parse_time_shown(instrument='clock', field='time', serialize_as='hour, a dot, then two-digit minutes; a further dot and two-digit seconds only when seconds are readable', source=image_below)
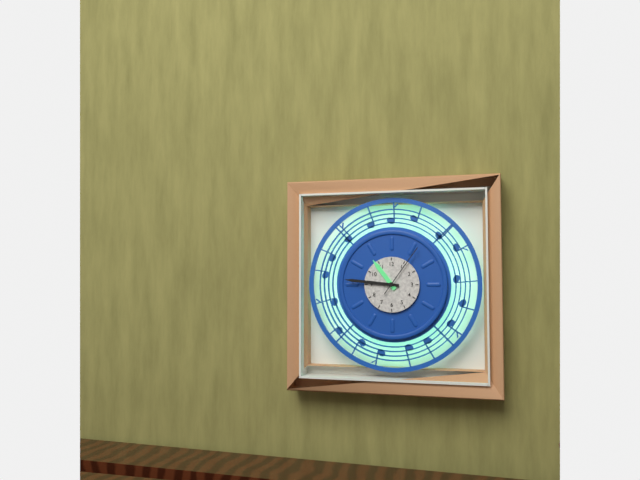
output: 10.46.06
